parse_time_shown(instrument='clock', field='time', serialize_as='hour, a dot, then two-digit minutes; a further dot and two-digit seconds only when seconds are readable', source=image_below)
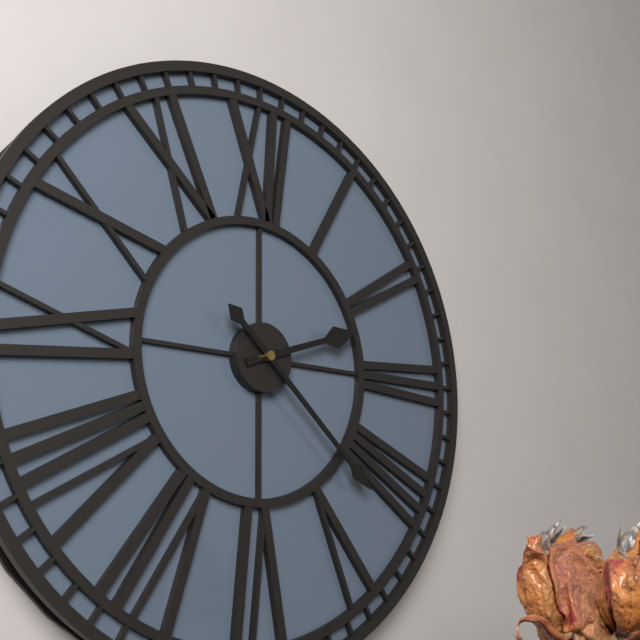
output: 2.22
